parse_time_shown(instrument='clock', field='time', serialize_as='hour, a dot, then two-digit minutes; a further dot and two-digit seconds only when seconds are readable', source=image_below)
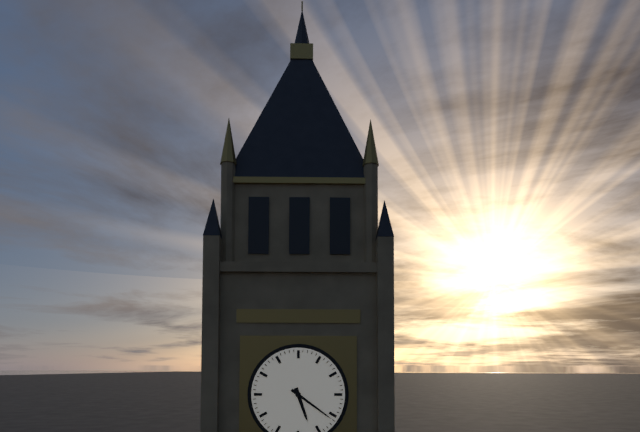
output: 5.21
